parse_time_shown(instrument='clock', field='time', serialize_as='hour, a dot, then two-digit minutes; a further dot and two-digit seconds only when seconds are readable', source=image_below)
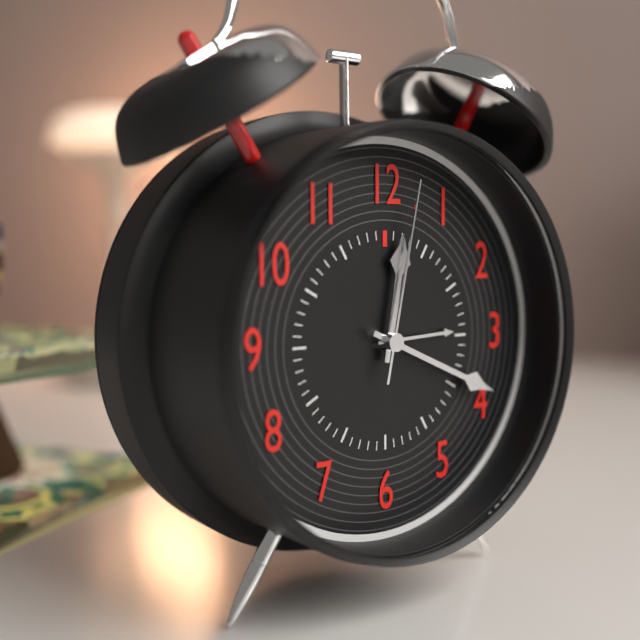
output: 12.19.02
